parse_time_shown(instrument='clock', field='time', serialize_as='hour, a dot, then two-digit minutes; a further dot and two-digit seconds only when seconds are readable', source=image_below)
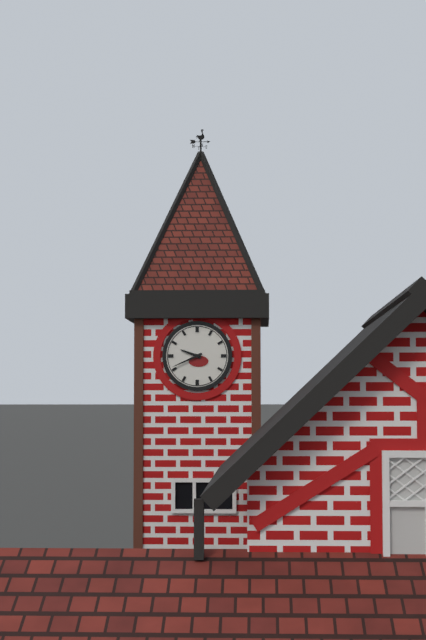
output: 9.41
